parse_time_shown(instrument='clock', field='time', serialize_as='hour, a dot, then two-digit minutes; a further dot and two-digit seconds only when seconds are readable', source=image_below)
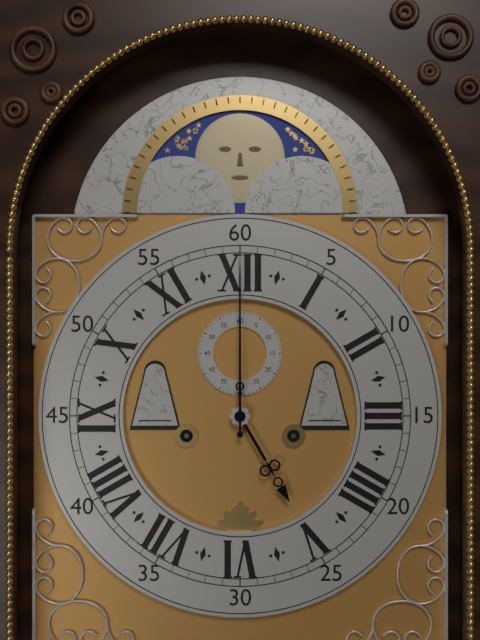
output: 5.00
